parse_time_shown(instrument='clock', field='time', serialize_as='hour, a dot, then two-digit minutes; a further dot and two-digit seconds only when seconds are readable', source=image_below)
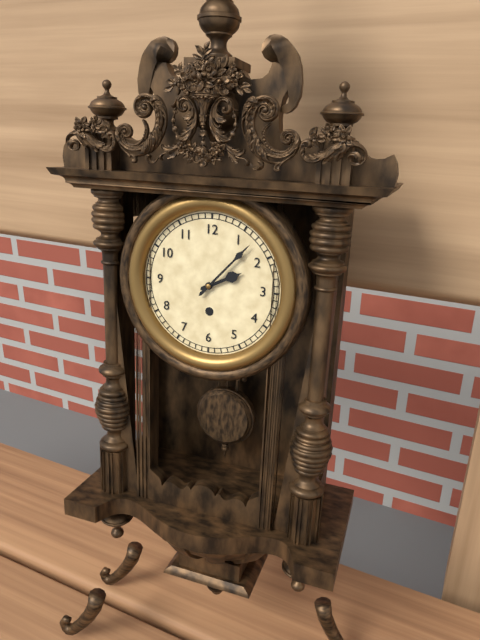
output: 2.07
